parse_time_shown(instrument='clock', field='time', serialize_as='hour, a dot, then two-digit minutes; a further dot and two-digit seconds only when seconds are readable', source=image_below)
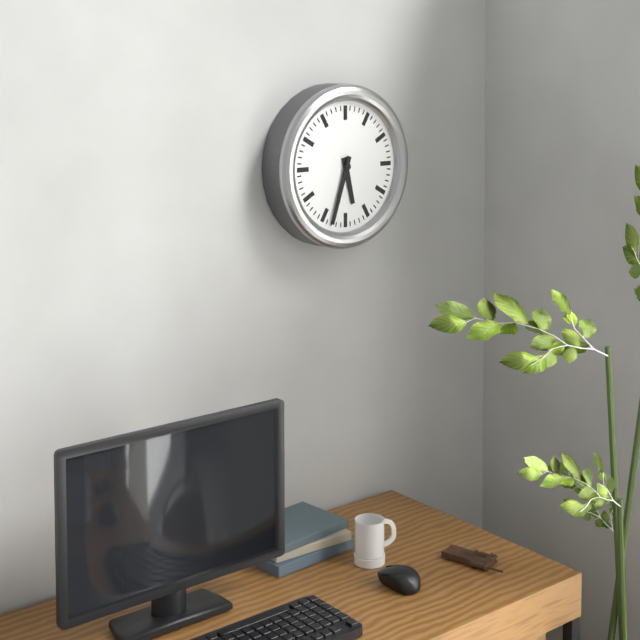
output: 5.33
